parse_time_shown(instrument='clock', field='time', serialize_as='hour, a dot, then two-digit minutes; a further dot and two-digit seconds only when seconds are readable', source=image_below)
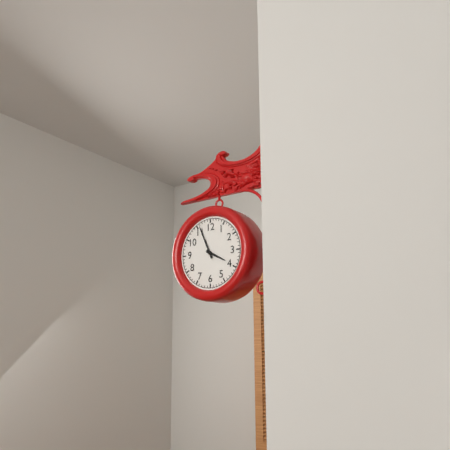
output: 3.56
